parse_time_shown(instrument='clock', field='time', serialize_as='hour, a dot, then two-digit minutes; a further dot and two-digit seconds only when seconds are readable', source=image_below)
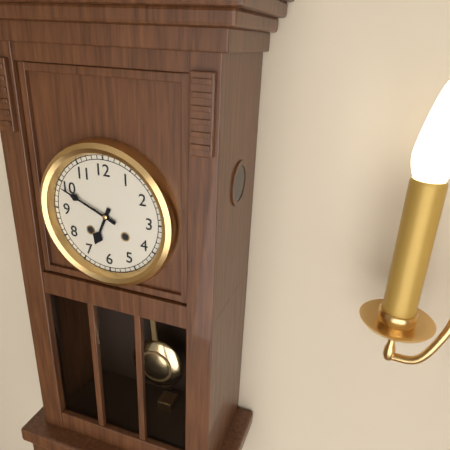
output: 6.49
